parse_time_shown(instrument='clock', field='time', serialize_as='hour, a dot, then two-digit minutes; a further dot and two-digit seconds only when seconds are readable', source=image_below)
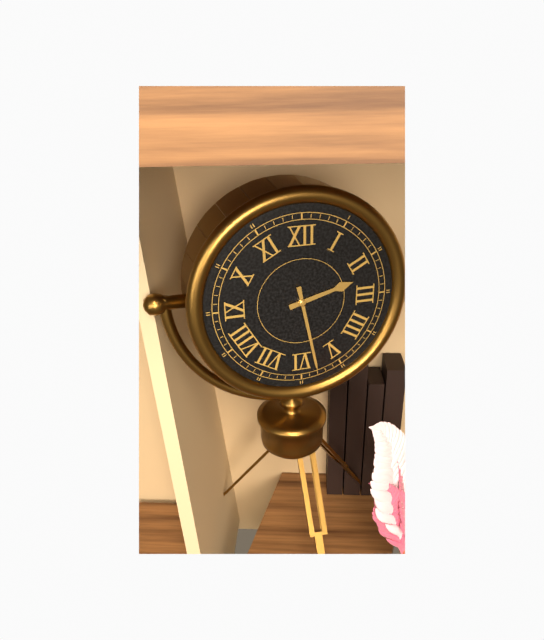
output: 2.28
